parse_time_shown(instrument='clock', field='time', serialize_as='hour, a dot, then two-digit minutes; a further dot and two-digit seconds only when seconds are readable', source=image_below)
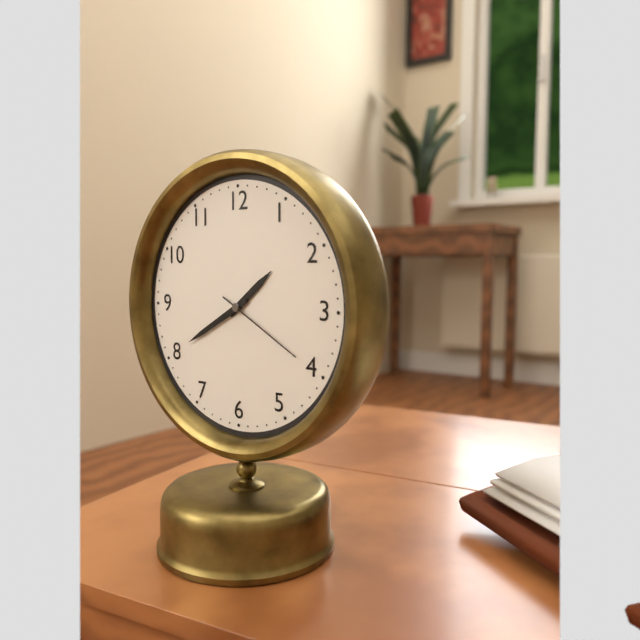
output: 1.40.20
